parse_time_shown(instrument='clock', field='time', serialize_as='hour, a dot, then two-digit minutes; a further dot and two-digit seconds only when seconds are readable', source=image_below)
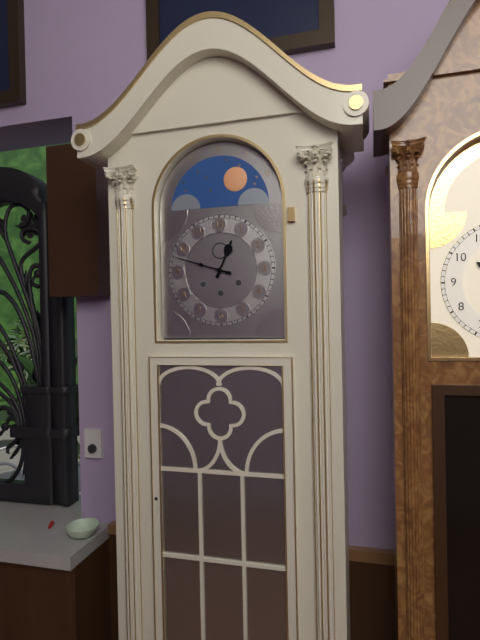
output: 12.48
